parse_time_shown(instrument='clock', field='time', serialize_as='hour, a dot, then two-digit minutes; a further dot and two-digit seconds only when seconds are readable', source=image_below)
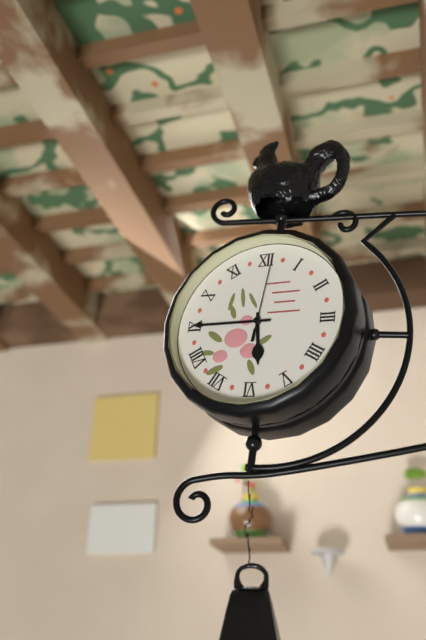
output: 5.45.01
